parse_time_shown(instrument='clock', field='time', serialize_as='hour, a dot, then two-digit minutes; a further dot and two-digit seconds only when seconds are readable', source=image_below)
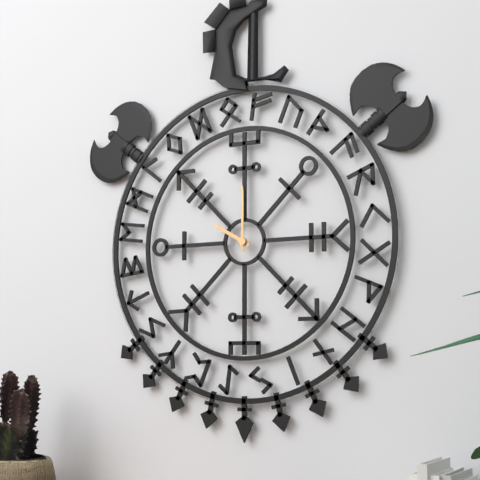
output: 10.00
